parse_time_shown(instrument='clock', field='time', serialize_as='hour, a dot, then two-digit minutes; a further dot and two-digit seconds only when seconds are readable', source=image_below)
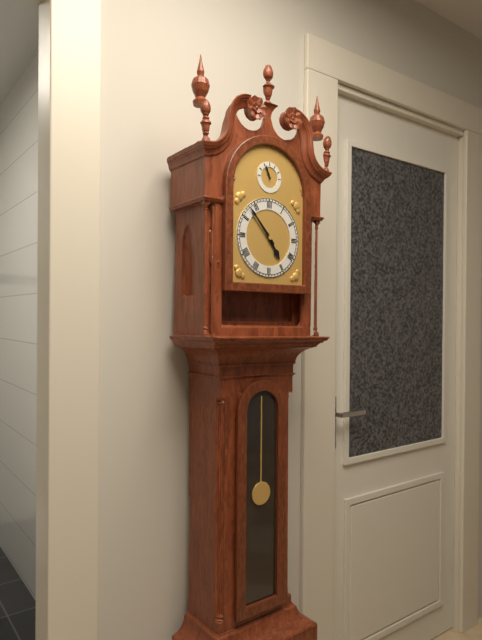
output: 4.53
